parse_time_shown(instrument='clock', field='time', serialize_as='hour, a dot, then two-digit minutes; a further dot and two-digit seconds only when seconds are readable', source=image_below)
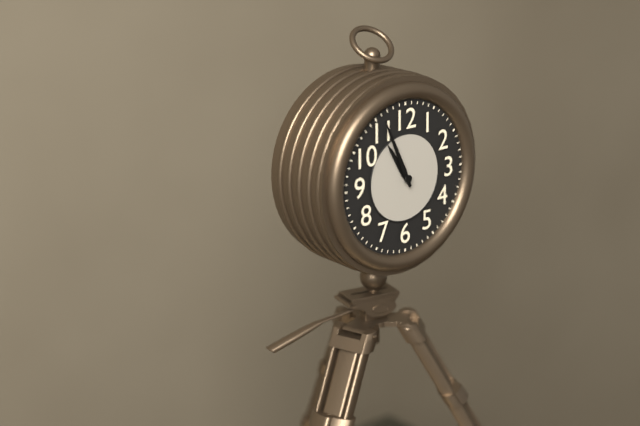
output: 10.56
